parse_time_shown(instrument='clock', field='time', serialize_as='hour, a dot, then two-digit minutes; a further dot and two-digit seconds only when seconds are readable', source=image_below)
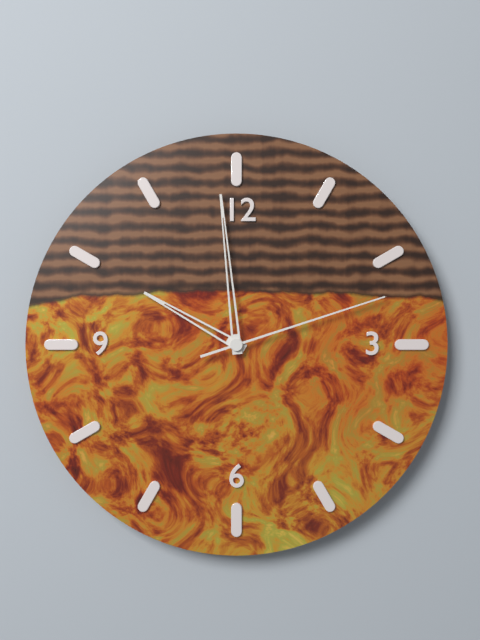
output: 9.59.12
